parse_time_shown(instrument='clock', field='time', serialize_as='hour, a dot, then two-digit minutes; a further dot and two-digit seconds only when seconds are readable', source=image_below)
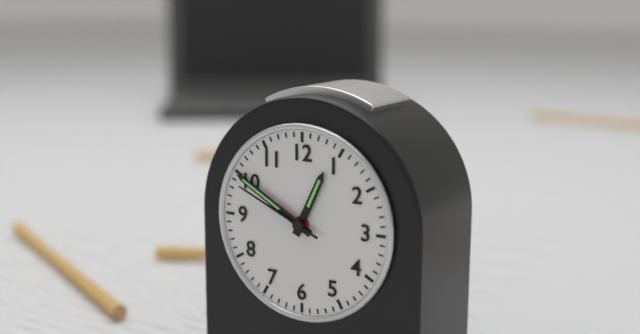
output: 12.50.49
